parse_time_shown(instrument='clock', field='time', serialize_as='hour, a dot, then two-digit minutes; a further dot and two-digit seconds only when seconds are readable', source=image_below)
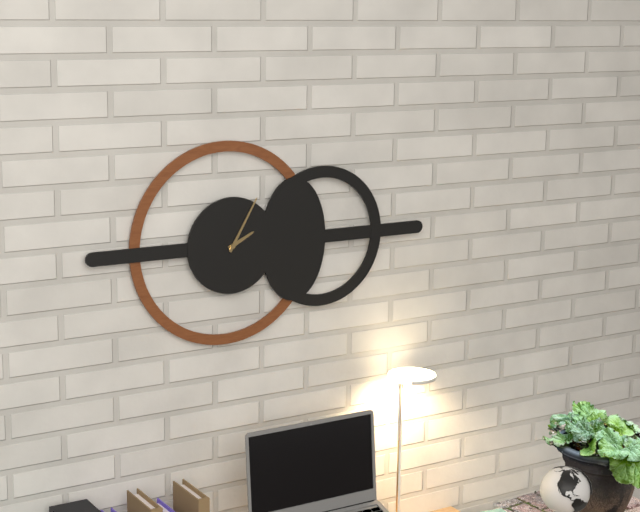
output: 2.05
